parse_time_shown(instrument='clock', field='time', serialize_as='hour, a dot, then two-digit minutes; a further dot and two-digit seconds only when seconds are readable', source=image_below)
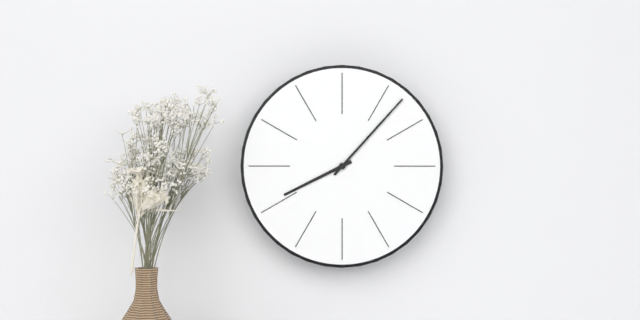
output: 8.07
